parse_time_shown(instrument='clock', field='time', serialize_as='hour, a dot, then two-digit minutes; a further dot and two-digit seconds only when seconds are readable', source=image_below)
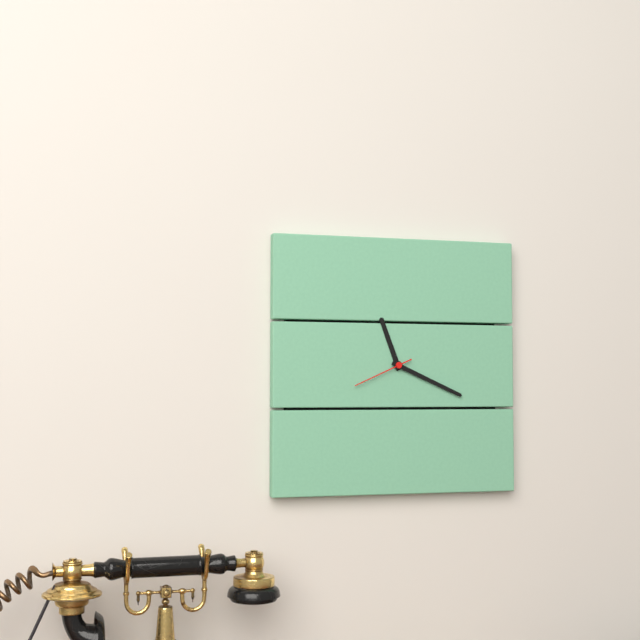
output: 11.19.41
